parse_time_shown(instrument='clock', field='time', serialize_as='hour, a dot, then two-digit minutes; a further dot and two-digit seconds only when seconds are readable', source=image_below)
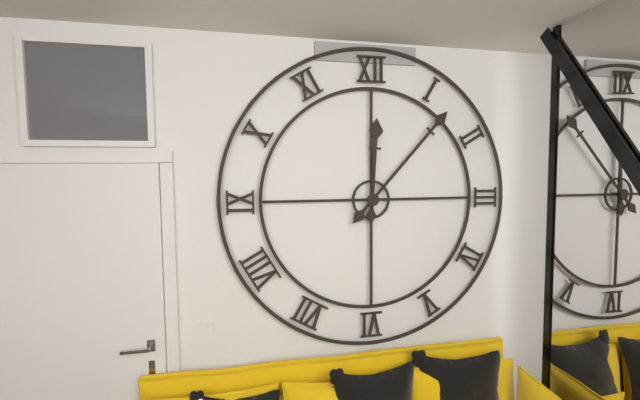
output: 12.07
